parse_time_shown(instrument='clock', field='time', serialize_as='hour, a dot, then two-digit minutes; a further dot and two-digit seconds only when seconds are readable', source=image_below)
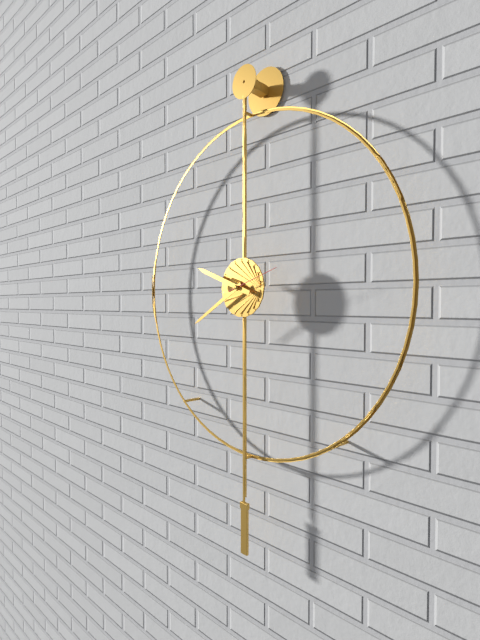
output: 9.40.12
